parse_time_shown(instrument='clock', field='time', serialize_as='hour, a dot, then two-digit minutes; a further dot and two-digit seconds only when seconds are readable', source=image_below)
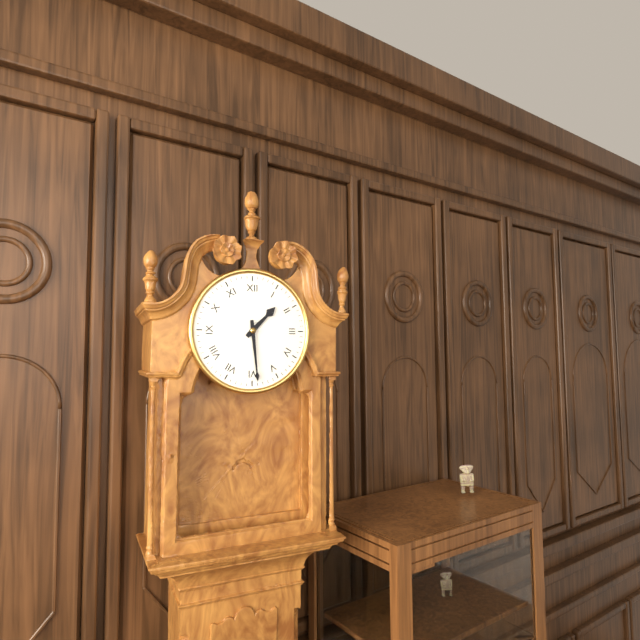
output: 1.29
